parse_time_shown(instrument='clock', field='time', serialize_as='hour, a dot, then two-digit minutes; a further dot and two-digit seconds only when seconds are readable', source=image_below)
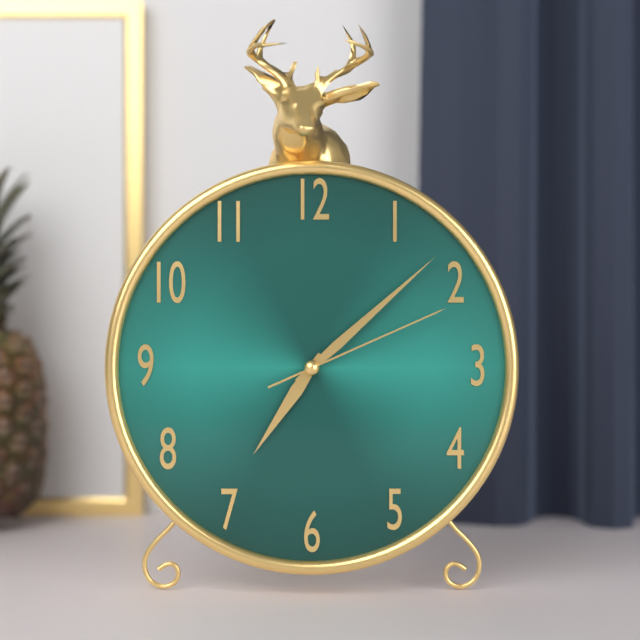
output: 7.08.11
